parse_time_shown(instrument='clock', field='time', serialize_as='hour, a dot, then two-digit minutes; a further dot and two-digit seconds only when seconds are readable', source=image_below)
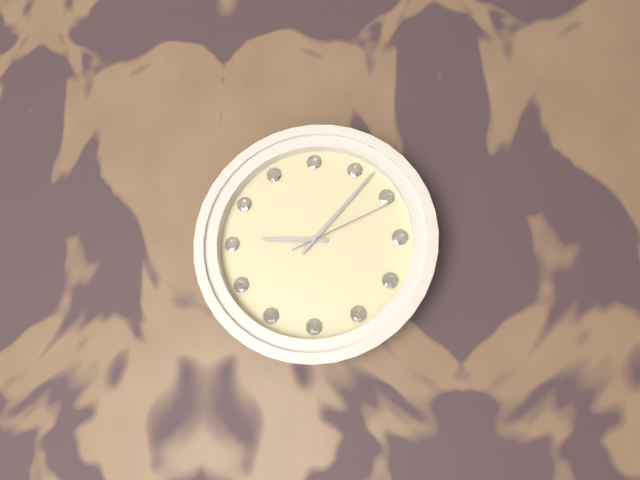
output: 9.07.11
